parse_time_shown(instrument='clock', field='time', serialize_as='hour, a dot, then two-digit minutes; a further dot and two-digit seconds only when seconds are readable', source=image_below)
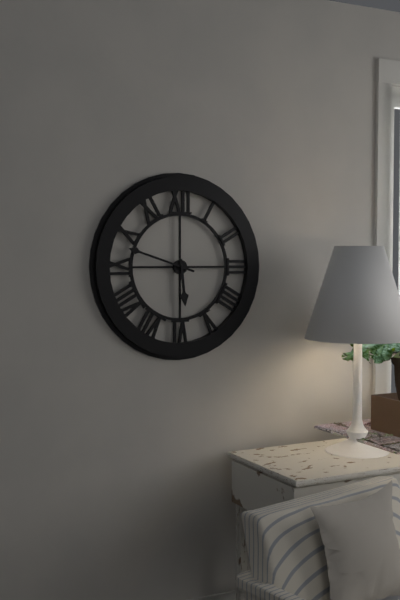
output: 5.48
